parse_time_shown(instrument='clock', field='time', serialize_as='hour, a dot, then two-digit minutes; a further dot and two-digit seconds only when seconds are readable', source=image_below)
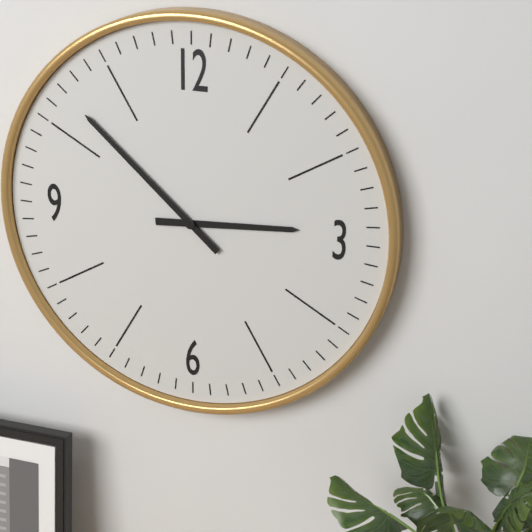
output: 2.52
